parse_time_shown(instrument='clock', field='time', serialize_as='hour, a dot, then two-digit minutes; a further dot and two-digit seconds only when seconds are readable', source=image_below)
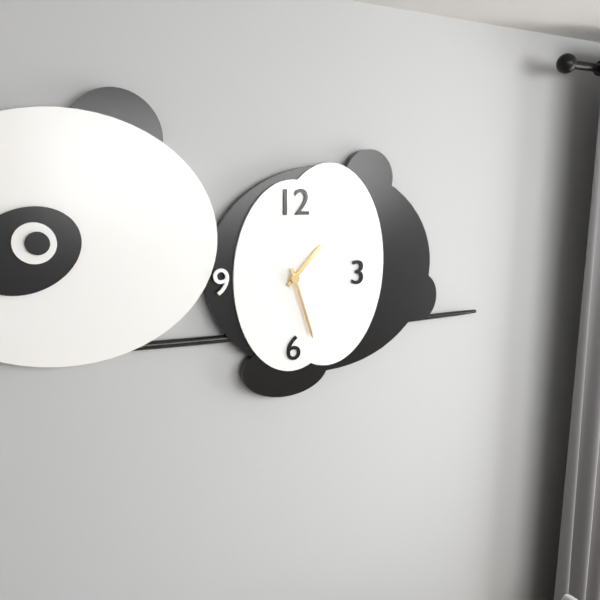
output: 1.27
